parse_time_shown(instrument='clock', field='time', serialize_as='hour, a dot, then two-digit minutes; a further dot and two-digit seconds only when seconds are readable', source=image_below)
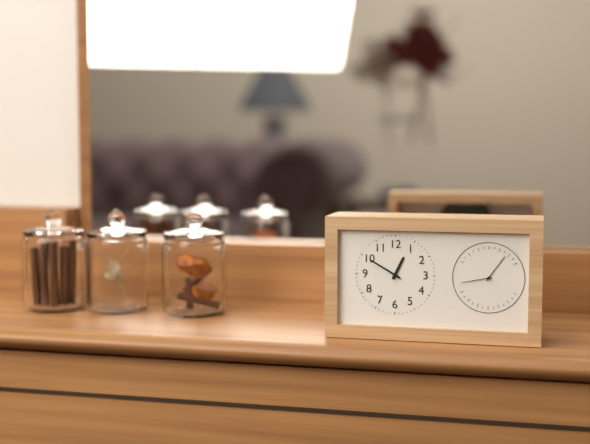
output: 12.50
